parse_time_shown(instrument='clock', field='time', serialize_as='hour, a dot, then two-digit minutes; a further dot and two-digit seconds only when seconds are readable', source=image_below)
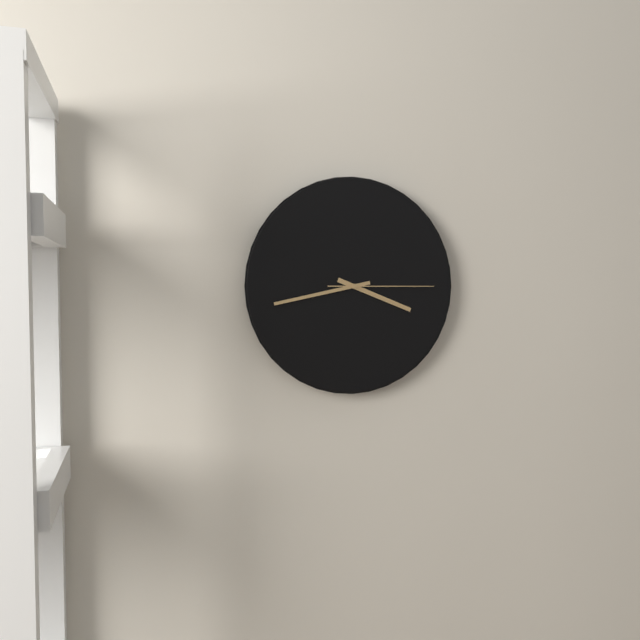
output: 3.43.15
